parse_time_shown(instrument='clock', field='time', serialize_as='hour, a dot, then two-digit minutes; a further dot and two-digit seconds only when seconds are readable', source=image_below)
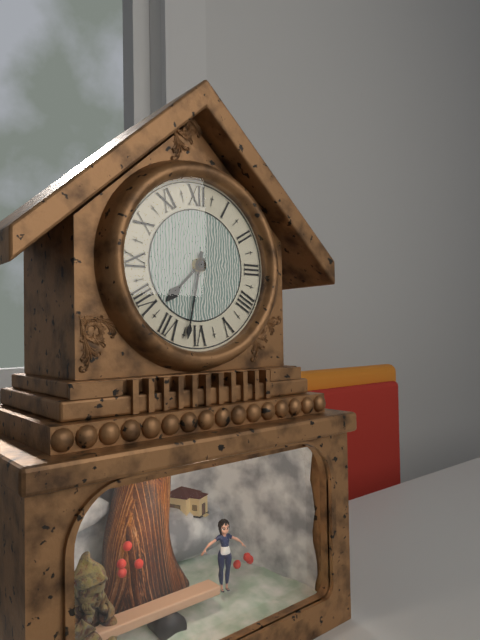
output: 7.32
